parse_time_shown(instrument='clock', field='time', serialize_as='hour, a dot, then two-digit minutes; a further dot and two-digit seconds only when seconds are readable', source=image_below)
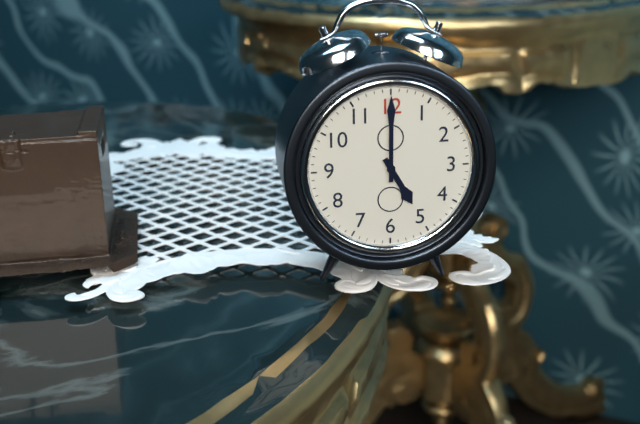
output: 5.00
